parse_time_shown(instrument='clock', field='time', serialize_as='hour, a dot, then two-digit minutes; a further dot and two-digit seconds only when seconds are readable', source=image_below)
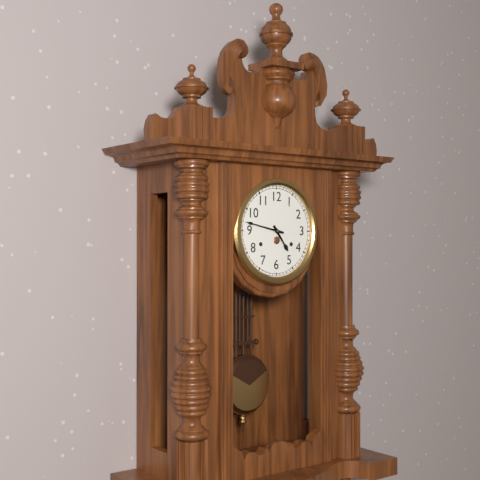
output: 4.47
